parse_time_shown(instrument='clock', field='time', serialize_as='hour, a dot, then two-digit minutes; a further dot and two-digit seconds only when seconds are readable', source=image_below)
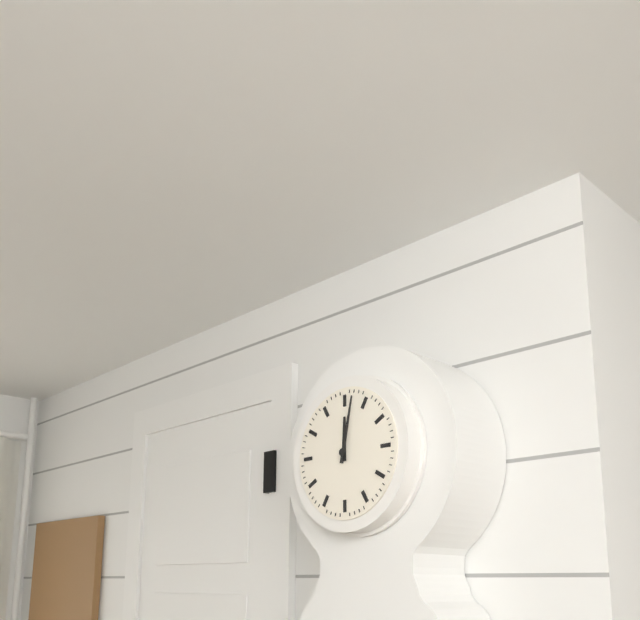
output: 12.02
